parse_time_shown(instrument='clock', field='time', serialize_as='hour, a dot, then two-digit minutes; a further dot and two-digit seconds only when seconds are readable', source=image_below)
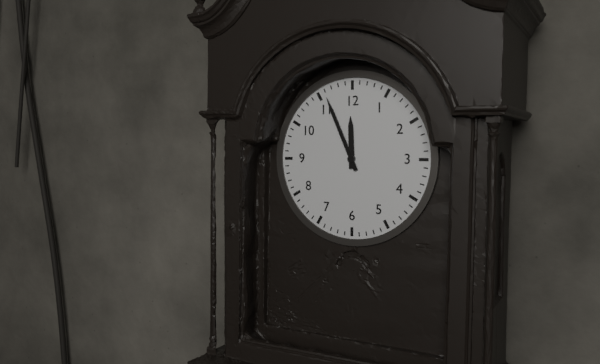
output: 11.56
